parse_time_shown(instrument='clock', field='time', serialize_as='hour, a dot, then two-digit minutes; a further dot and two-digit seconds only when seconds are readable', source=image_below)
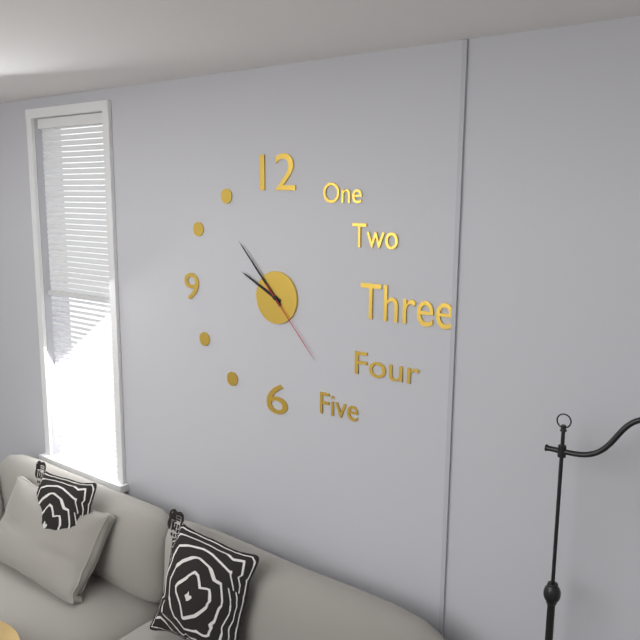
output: 9.53.23
